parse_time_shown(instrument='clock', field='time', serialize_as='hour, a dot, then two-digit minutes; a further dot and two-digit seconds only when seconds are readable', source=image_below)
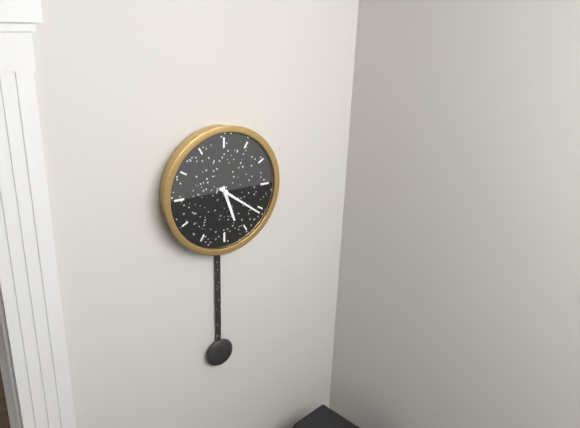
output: 5.21
